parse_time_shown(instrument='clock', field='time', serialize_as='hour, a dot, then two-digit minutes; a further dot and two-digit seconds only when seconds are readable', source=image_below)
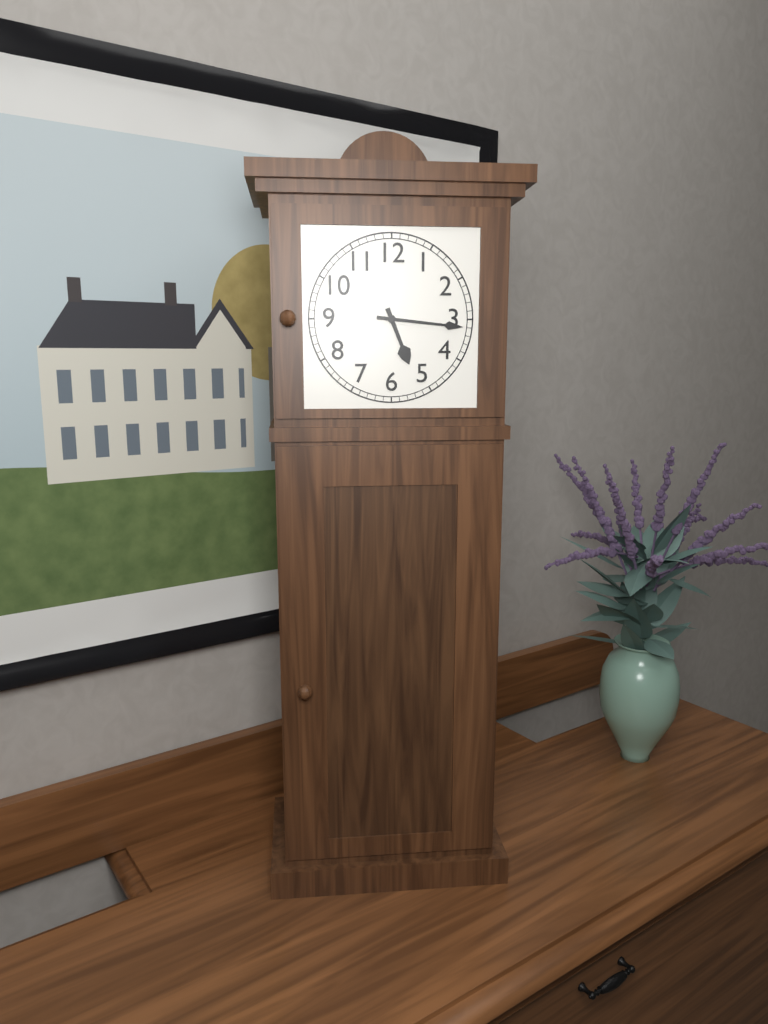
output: 5.16
